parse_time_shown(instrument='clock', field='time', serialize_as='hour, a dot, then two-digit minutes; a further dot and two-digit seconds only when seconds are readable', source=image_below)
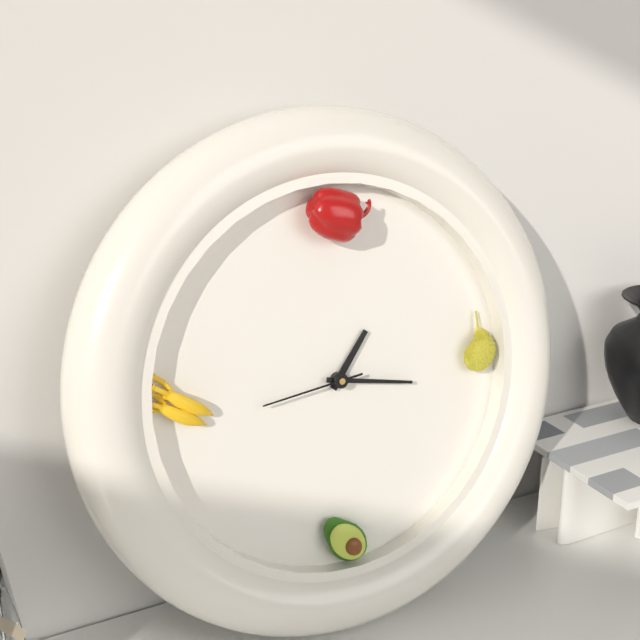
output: 1.17.44
